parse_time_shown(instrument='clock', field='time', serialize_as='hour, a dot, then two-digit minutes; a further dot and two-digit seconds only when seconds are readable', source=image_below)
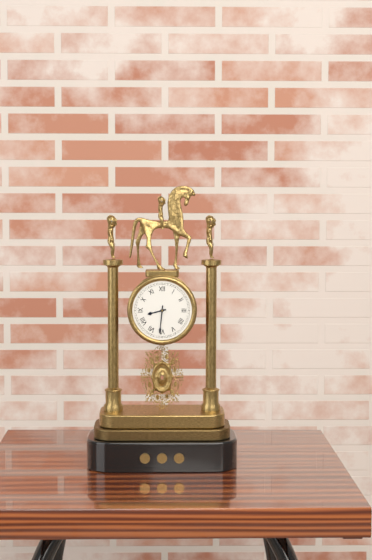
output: 8.31
